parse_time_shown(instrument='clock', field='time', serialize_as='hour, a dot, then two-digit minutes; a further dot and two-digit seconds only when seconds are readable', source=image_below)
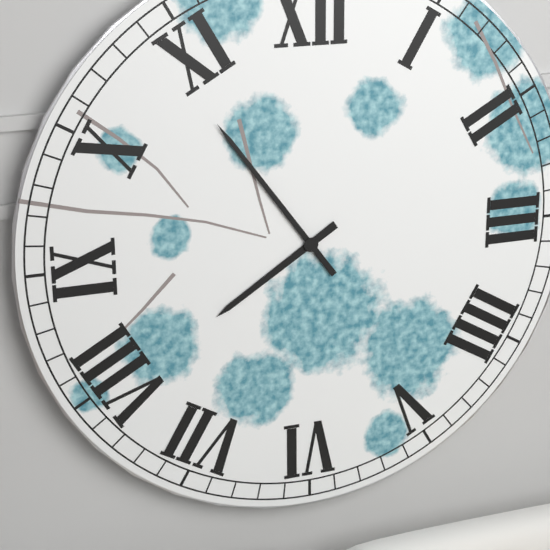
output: 7.54
